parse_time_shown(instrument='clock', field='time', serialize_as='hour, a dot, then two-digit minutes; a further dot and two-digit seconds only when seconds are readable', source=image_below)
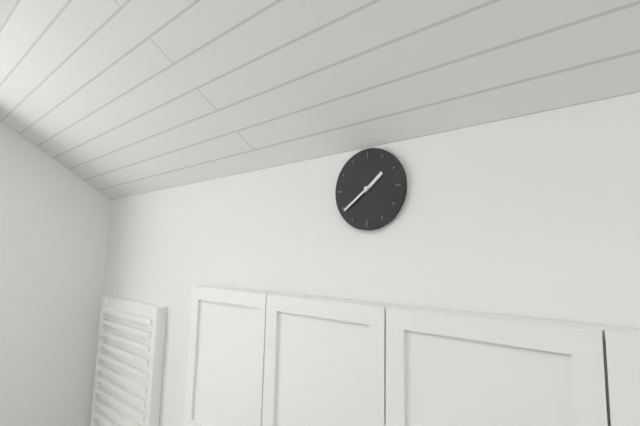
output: 1.39
